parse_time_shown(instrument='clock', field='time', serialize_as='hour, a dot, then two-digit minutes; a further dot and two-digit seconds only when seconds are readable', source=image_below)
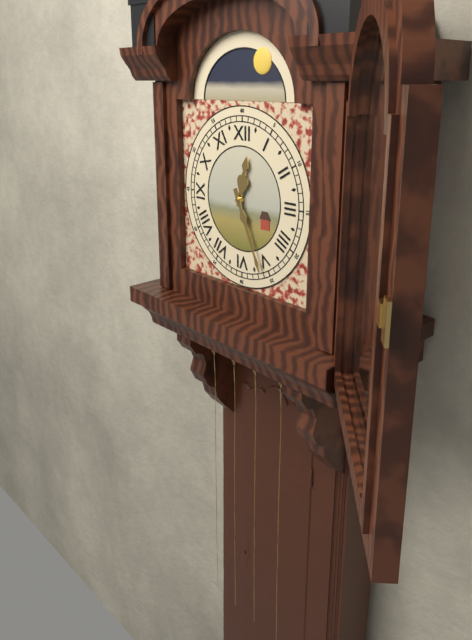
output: 12.26
